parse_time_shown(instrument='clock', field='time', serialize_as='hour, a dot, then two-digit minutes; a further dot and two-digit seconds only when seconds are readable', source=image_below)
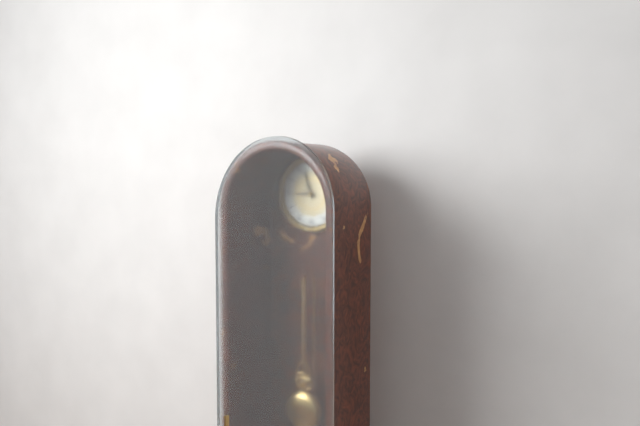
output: 8.57
